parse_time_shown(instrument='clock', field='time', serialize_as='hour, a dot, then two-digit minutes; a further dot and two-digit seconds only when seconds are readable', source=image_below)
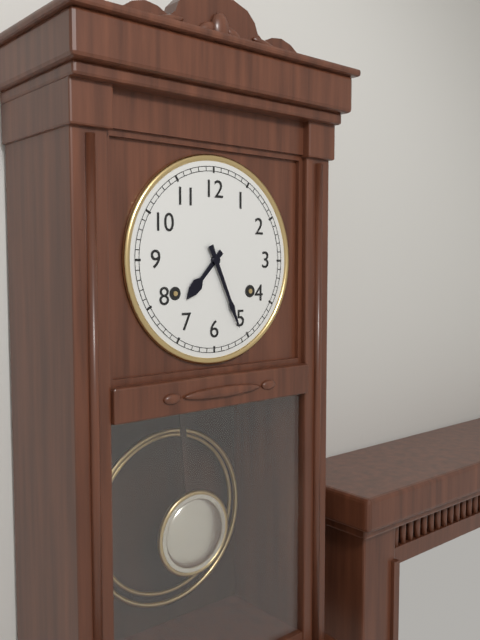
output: 7.26
